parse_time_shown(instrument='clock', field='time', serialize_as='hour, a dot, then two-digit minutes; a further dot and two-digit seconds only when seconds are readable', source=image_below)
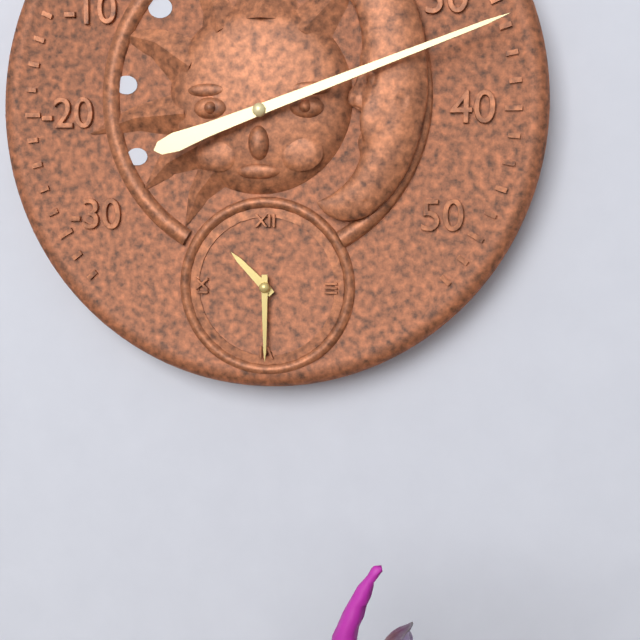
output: 10.30
